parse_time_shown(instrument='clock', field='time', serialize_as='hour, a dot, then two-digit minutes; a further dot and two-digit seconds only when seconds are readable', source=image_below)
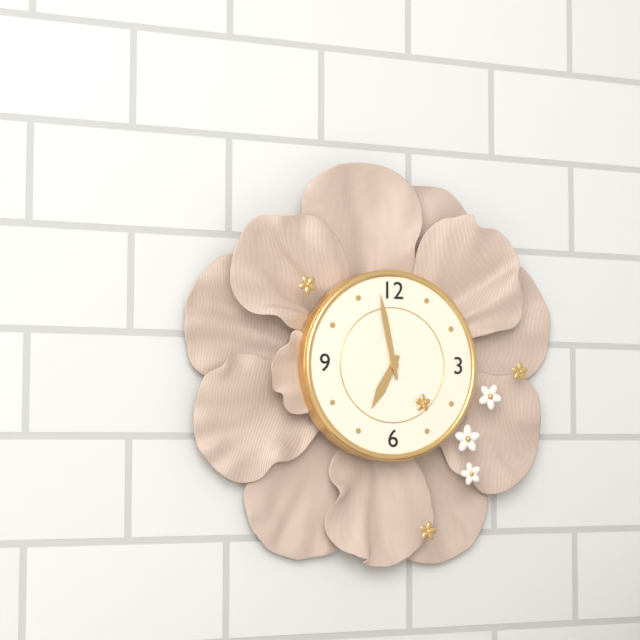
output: 6.58
